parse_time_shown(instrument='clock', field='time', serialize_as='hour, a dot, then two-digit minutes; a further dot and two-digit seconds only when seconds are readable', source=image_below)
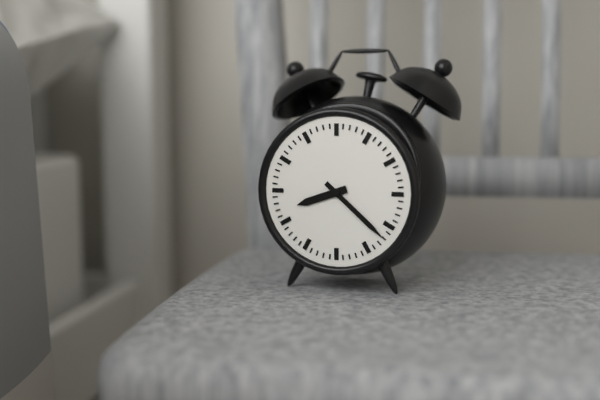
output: 8.22
